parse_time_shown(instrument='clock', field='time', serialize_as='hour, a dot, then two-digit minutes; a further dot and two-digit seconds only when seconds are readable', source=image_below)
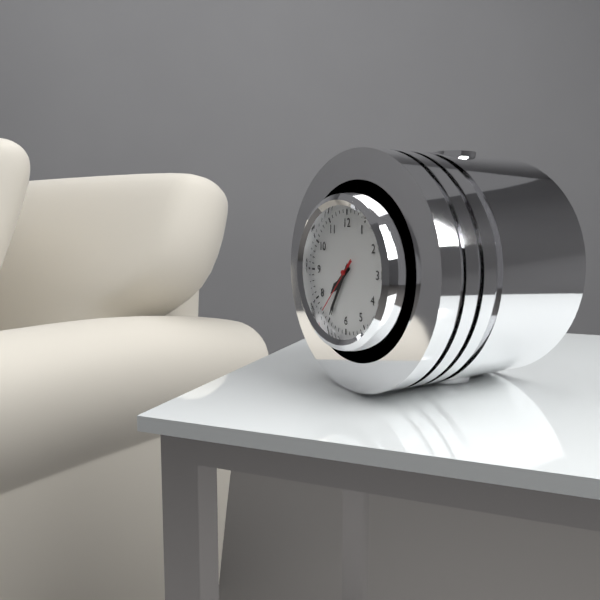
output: 7.35.37
